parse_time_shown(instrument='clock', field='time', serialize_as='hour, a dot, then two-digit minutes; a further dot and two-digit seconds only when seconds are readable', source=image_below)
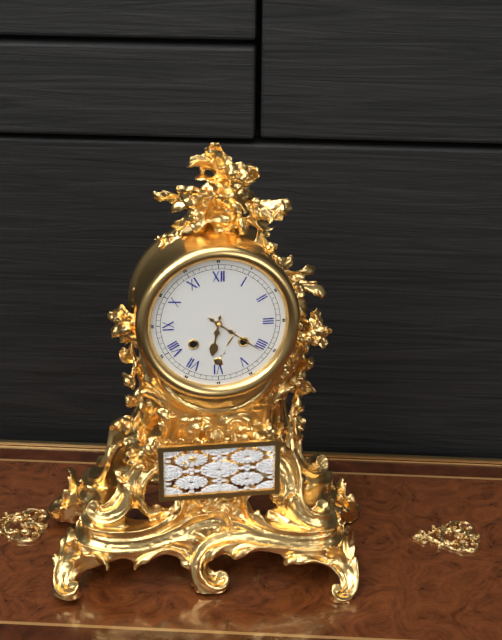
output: 6.21
